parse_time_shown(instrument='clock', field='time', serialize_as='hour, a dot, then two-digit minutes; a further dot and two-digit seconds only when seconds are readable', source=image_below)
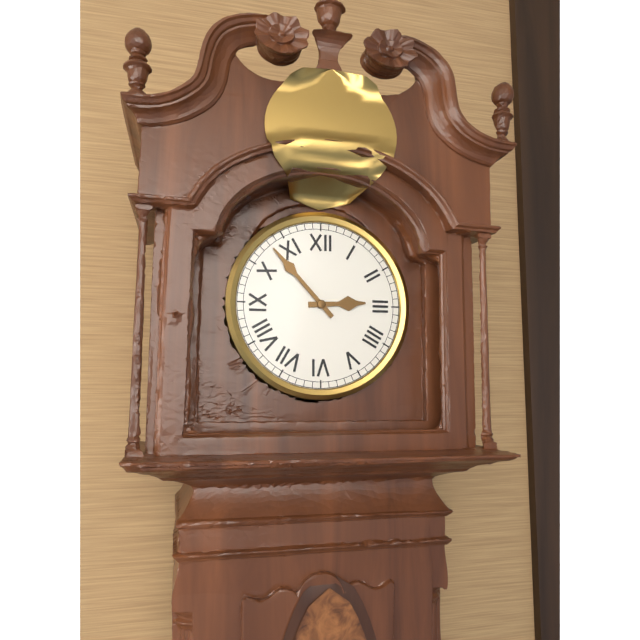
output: 2.53
